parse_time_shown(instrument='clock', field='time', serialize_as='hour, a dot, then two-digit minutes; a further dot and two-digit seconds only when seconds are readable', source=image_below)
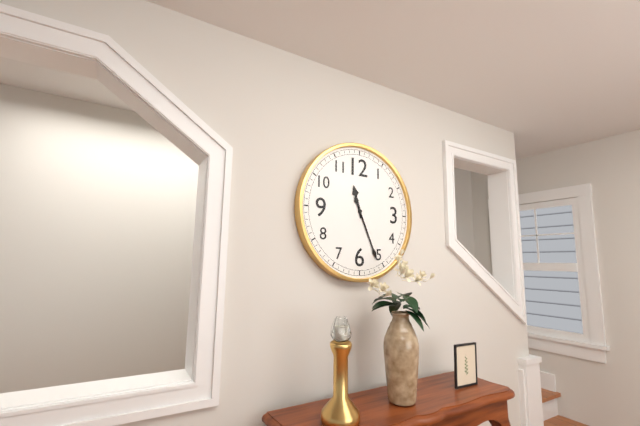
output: 11.26
